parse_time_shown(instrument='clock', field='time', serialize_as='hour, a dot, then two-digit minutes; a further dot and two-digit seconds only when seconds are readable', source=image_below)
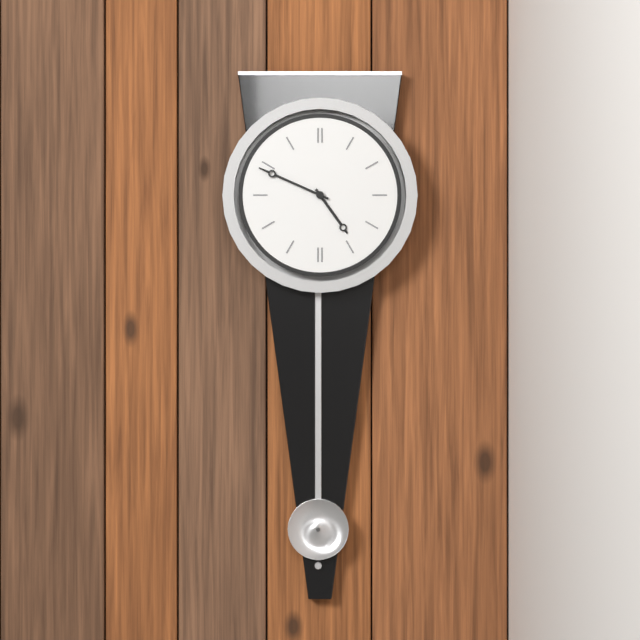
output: 4.49
